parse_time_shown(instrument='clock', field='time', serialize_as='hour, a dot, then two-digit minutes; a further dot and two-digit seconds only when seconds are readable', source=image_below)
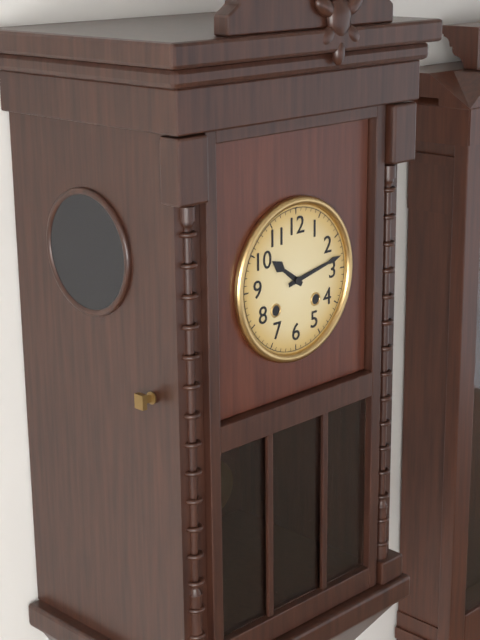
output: 10.13
